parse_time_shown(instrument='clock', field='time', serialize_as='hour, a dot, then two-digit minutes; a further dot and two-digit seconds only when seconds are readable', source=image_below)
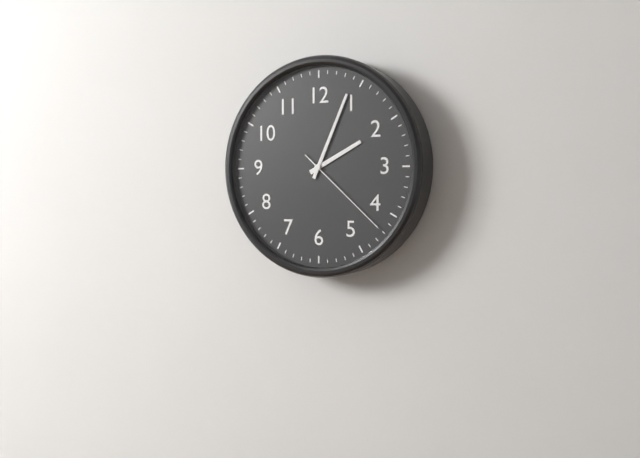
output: 2.04.22
